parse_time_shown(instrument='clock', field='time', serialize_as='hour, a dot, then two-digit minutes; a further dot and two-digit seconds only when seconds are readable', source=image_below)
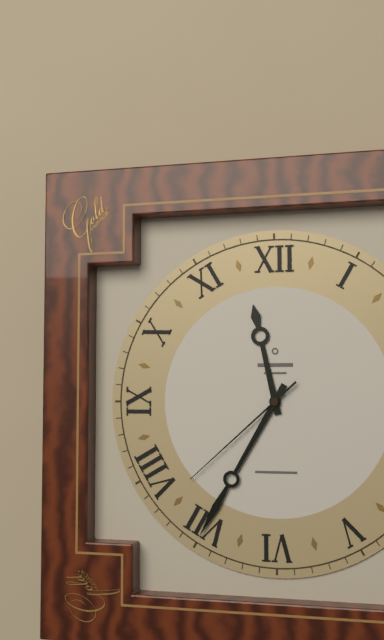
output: 11.35.38
